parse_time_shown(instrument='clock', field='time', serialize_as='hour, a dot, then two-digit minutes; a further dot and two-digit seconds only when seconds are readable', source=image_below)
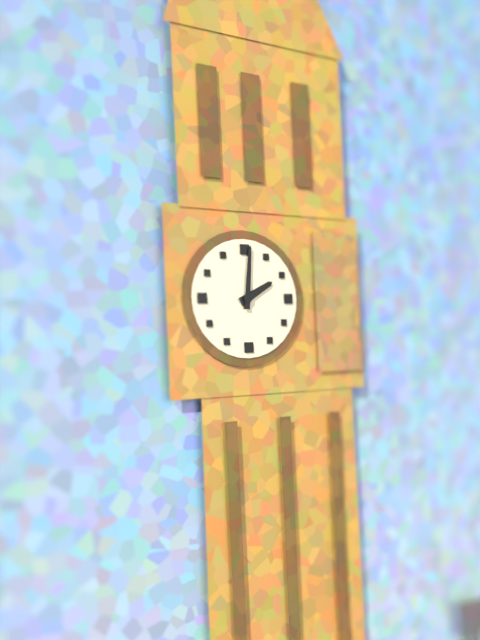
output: 2.01
